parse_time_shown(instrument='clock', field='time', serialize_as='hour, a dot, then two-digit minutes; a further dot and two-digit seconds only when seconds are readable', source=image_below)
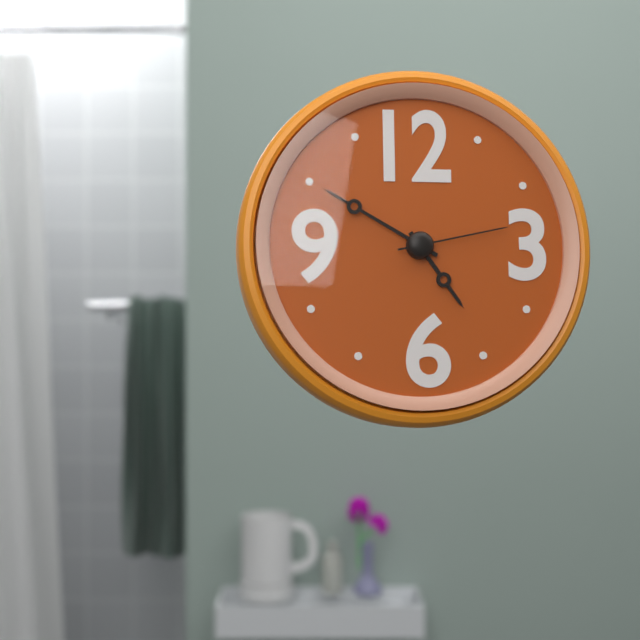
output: 4.50.13
